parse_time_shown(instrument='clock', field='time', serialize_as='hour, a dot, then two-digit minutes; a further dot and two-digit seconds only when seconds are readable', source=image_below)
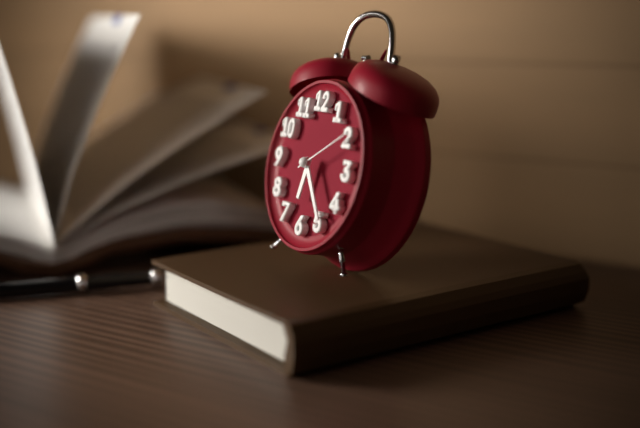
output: 6.24.10
